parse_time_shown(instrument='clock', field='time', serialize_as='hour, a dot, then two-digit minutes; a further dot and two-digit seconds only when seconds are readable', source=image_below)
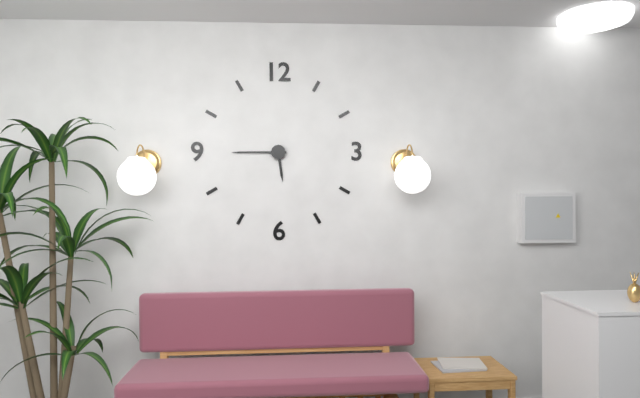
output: 5.45
